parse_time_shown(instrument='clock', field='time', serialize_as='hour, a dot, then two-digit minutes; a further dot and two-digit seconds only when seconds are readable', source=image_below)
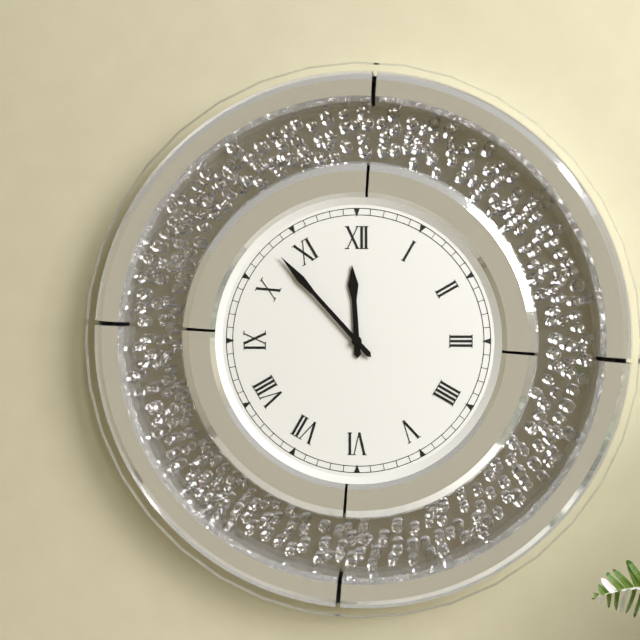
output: 11.53
